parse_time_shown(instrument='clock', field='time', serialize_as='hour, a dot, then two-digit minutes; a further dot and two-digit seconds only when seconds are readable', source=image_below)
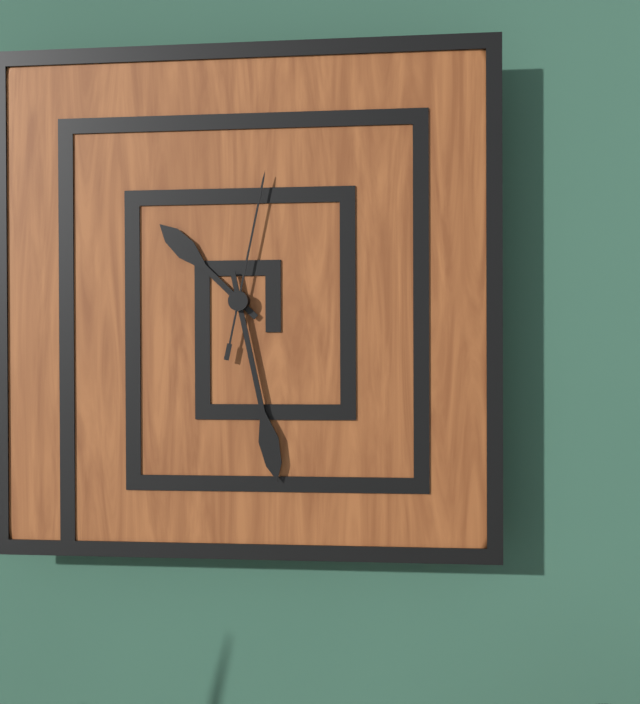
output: 10.28.02
